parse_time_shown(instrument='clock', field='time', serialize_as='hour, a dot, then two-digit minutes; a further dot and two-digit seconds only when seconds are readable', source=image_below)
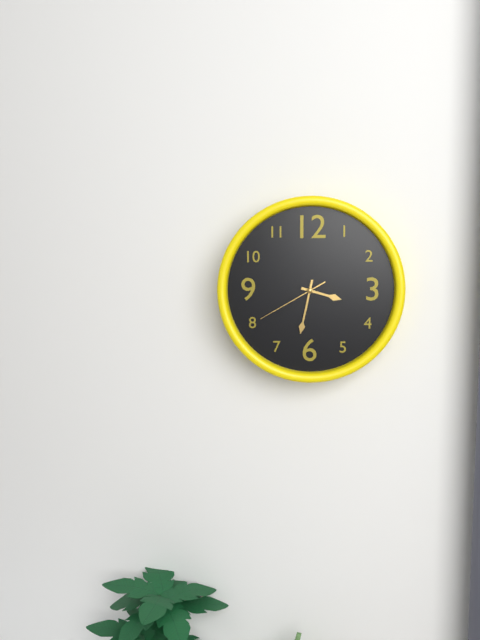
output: 3.32.40
